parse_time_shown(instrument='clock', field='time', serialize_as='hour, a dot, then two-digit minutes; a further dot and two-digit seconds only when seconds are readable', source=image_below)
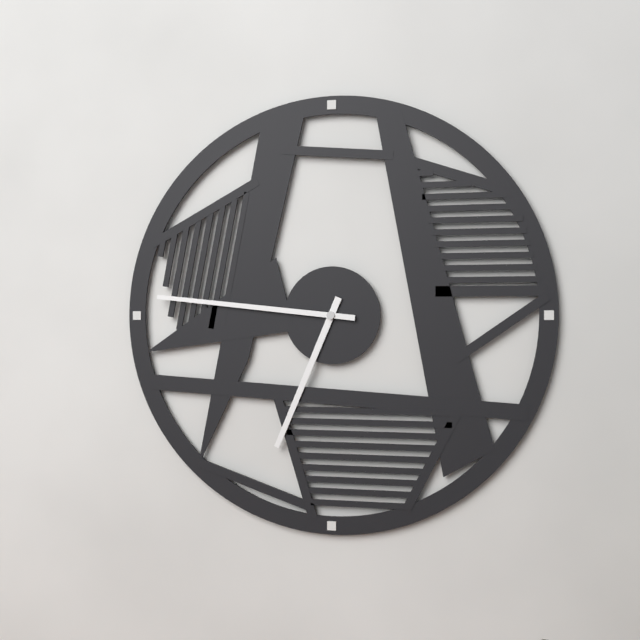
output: 6.46
